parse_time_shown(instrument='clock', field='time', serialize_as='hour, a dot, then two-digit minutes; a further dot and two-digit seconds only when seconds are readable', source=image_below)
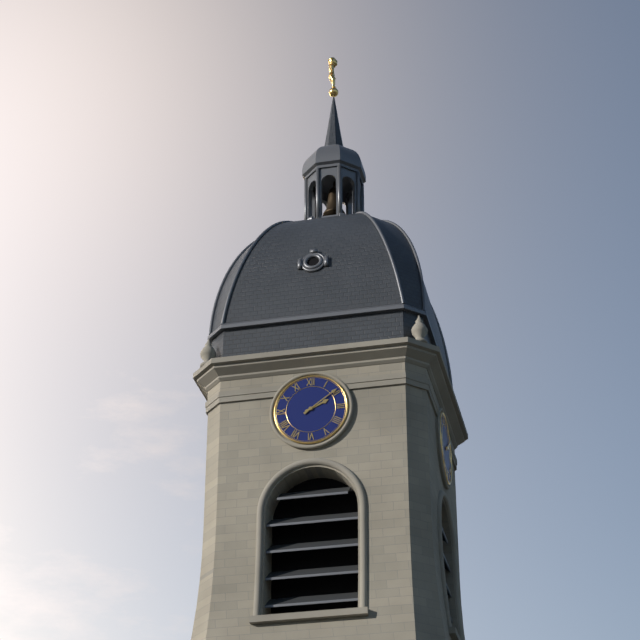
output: 2.09
